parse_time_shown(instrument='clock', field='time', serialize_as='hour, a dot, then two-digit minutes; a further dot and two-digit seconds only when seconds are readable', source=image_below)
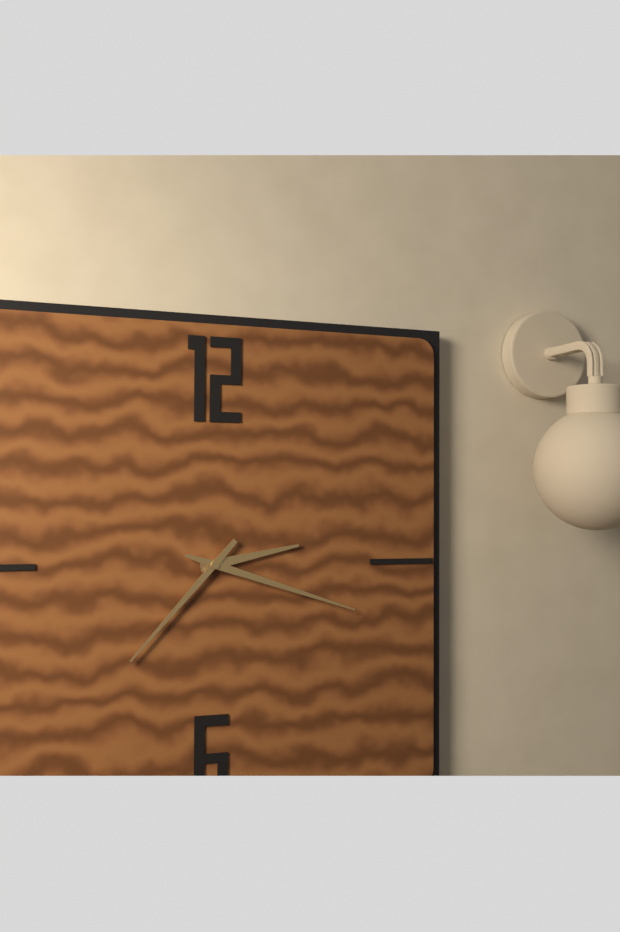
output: 2.37.18
